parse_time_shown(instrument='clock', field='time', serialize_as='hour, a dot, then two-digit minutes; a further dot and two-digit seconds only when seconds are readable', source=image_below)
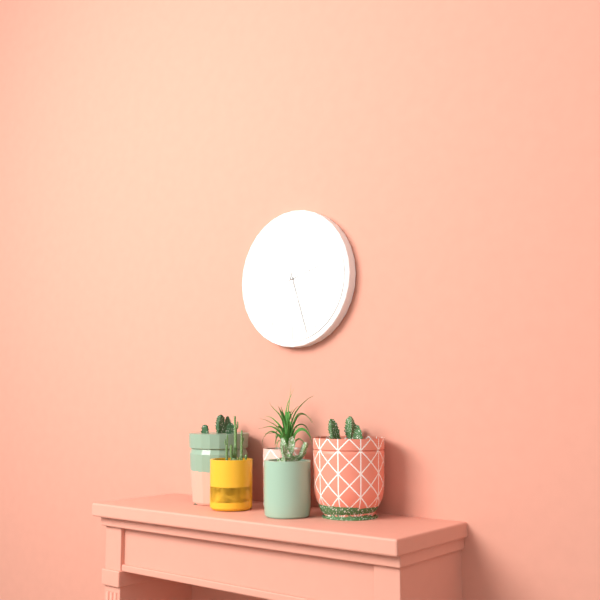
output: 2.27
